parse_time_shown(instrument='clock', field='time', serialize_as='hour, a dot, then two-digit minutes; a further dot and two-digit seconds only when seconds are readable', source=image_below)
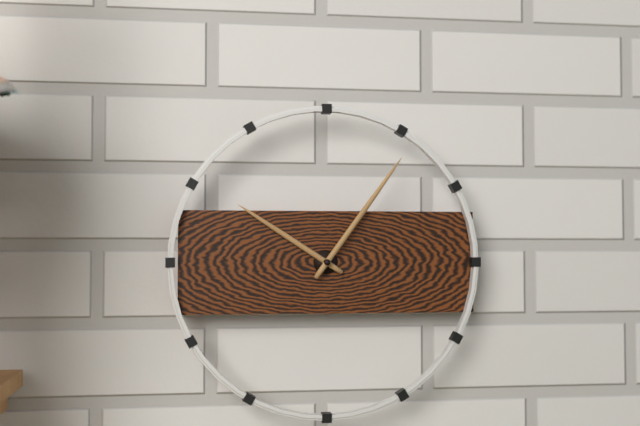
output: 10.06
